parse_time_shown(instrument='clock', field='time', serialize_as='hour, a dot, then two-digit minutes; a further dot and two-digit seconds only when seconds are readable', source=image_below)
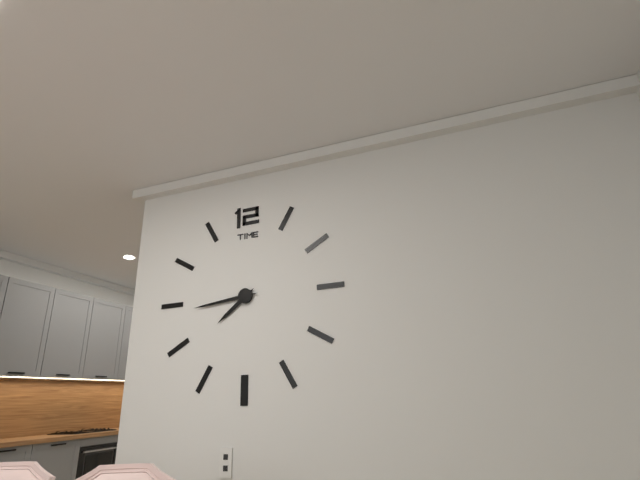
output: 7.44
